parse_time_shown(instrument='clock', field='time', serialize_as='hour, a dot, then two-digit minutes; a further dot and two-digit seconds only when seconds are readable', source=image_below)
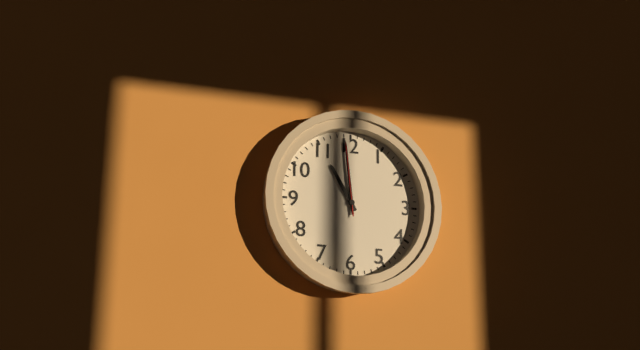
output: 10.59.59
